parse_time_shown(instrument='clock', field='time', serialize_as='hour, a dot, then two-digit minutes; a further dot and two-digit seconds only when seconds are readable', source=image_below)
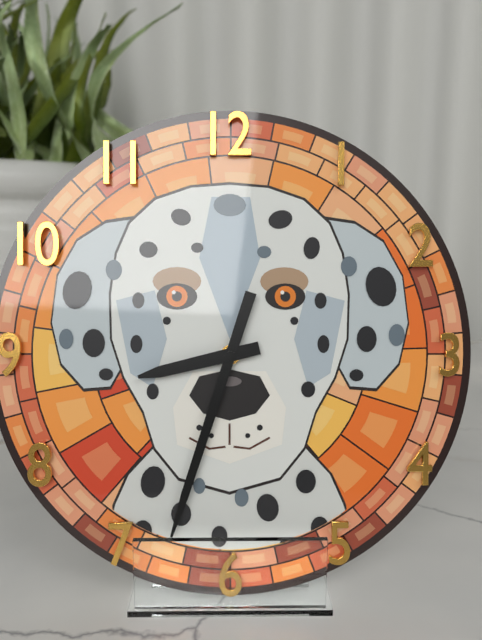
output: 8.33
